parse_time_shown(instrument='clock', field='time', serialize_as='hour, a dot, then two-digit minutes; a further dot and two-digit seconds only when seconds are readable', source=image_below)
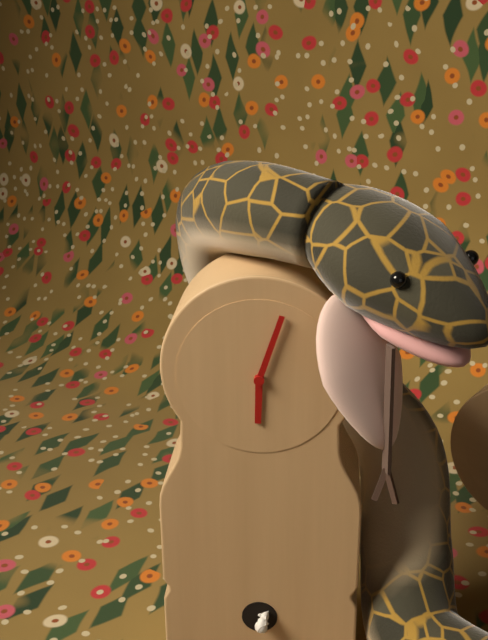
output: 6.03
